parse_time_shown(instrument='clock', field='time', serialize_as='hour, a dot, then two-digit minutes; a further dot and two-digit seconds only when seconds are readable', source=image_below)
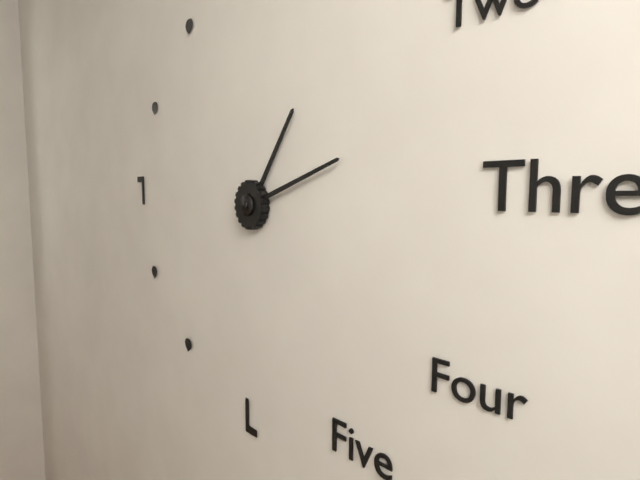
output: 1.12
